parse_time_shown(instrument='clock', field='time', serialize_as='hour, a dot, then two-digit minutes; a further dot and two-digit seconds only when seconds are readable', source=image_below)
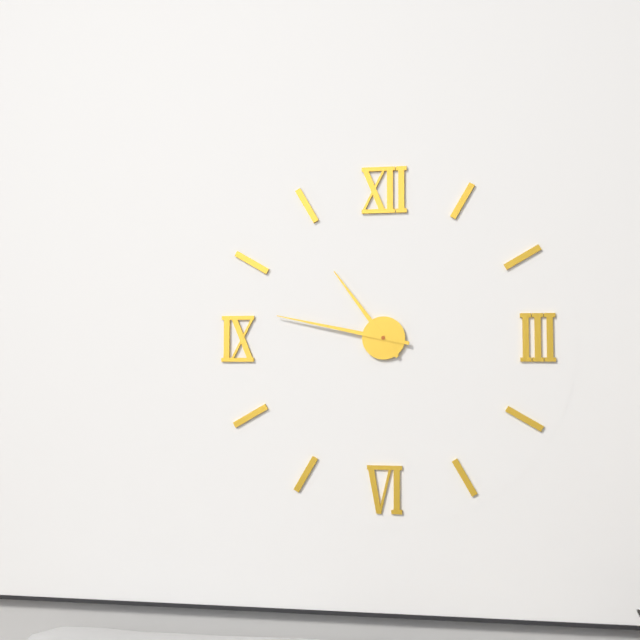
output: 10.47
